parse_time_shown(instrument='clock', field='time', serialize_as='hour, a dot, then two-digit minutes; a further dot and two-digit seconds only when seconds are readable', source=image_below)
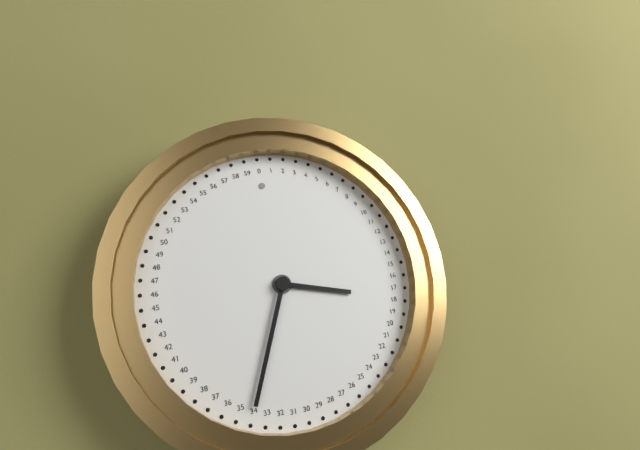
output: 3.34
